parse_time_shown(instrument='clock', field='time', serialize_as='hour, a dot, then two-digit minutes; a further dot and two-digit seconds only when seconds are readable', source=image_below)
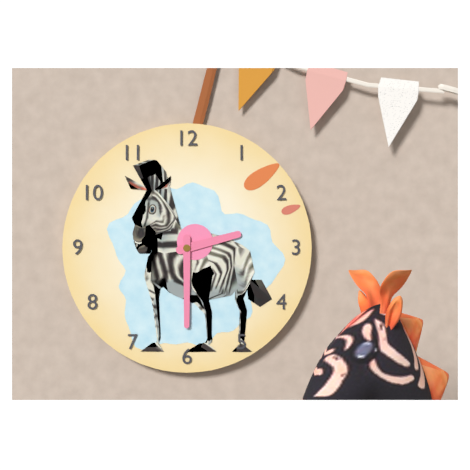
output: 2.30
